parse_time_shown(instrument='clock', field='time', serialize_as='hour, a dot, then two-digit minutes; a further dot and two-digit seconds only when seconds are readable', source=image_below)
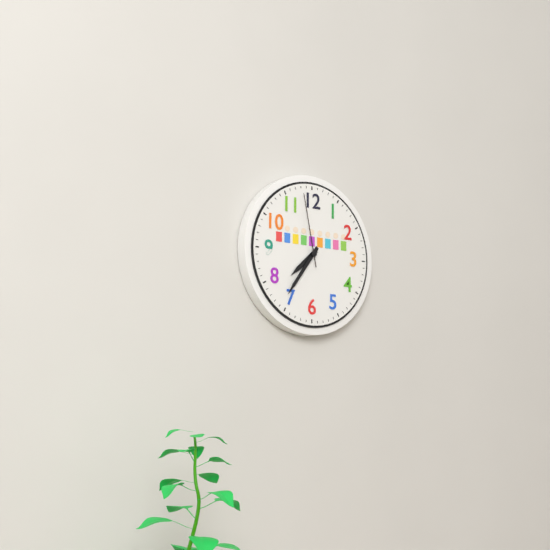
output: 7.36.58
